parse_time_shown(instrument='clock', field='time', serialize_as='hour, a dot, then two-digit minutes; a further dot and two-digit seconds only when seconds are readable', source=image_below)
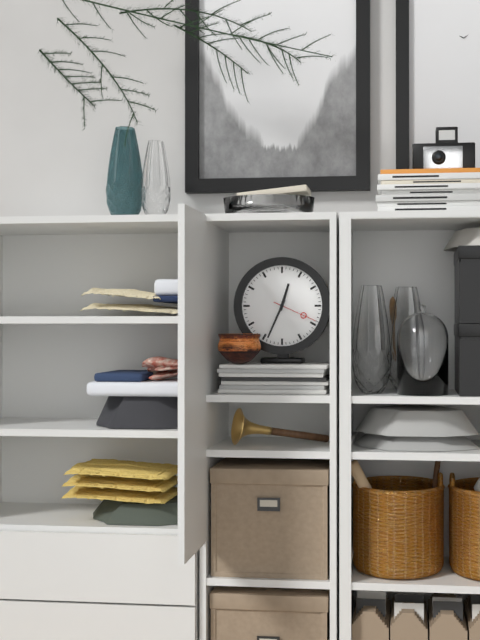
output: 12.34
